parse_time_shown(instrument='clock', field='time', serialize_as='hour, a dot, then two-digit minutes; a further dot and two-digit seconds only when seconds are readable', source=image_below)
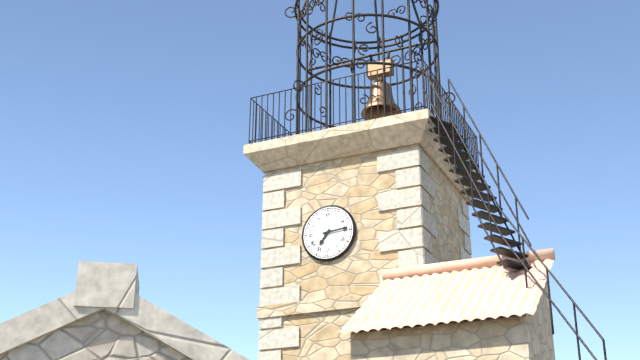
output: 7.14
